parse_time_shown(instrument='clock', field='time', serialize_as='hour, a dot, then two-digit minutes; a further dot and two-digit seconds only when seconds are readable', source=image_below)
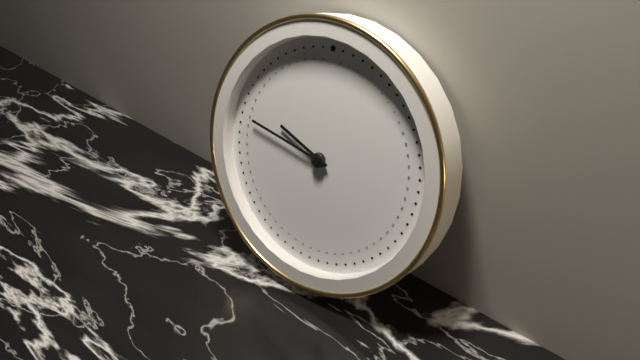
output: 9.47
